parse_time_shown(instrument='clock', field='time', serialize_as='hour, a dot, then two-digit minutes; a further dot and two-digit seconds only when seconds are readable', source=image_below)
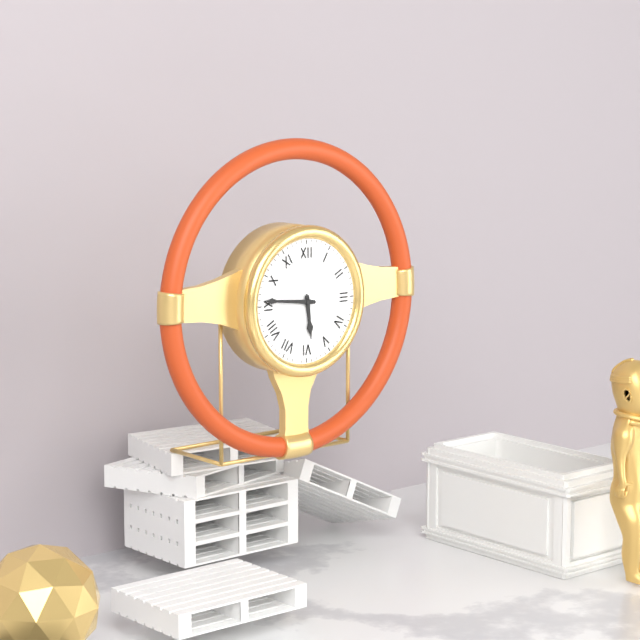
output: 5.46
